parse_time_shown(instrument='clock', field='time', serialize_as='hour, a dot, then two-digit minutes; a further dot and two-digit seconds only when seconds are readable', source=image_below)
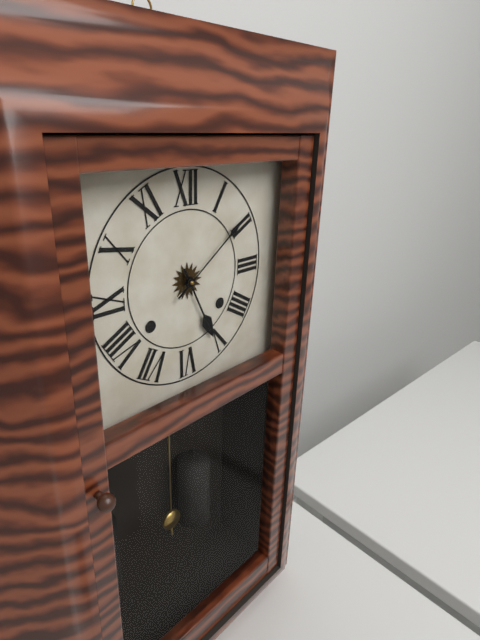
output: 5.09
